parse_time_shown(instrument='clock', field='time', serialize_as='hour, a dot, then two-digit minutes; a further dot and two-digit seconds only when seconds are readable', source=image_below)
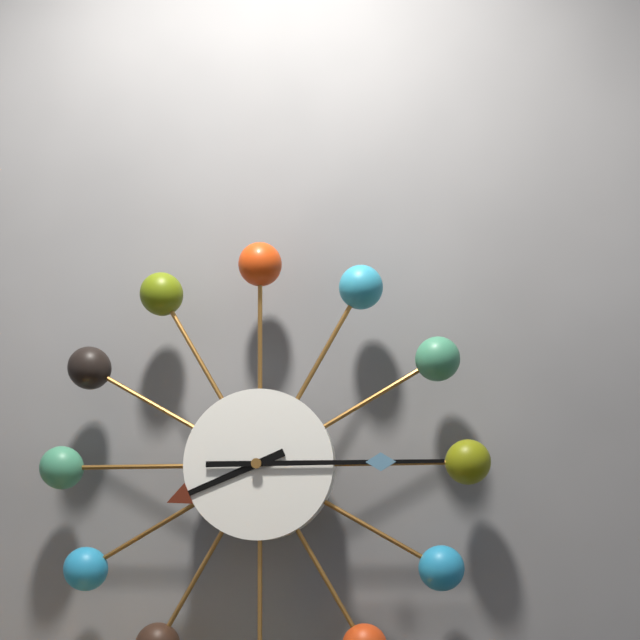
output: 8.15
